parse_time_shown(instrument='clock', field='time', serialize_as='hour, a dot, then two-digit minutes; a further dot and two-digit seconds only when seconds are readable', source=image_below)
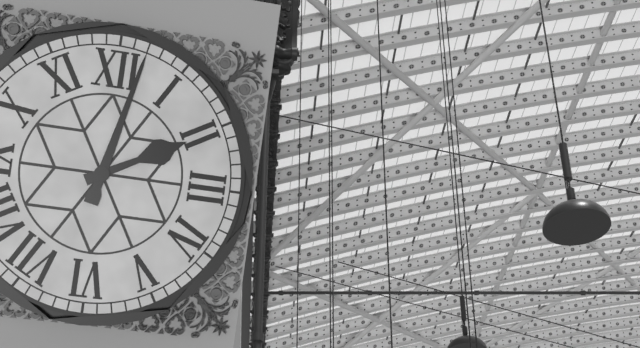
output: 2.02
